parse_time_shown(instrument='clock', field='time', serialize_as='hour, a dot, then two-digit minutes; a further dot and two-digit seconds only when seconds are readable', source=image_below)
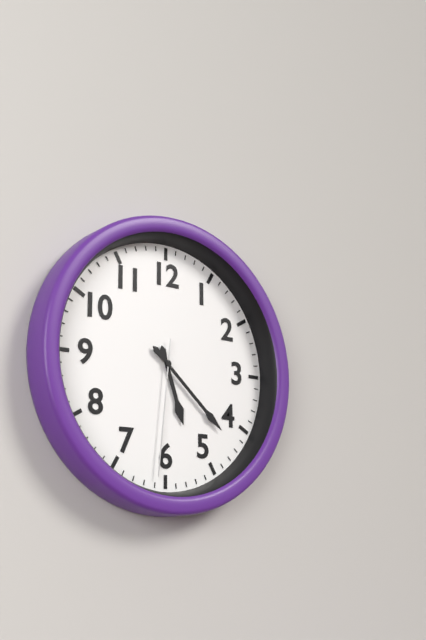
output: 5.22.31
